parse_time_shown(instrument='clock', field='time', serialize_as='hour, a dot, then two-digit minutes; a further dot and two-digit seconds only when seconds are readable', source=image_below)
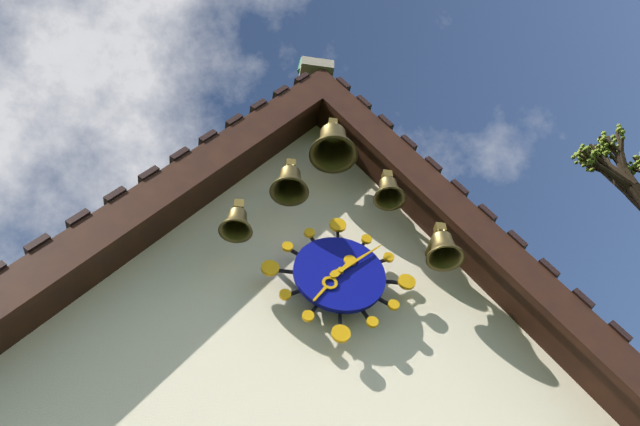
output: 7.08
